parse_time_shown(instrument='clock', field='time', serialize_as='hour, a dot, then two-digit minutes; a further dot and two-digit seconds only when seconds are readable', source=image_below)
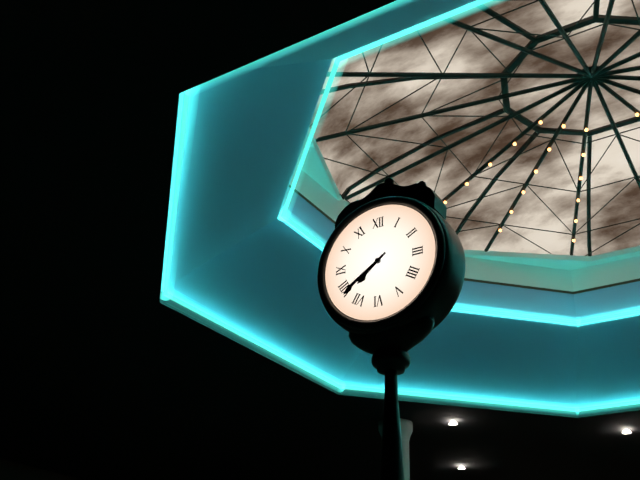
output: 7.39
